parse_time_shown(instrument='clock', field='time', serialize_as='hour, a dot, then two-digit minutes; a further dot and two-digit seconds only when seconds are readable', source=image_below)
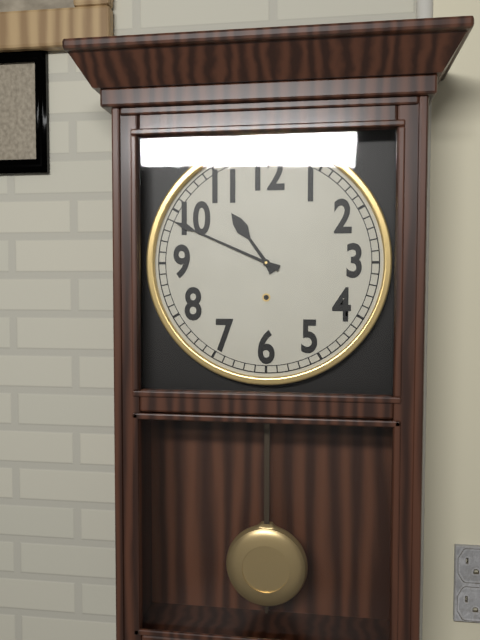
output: 10.49
